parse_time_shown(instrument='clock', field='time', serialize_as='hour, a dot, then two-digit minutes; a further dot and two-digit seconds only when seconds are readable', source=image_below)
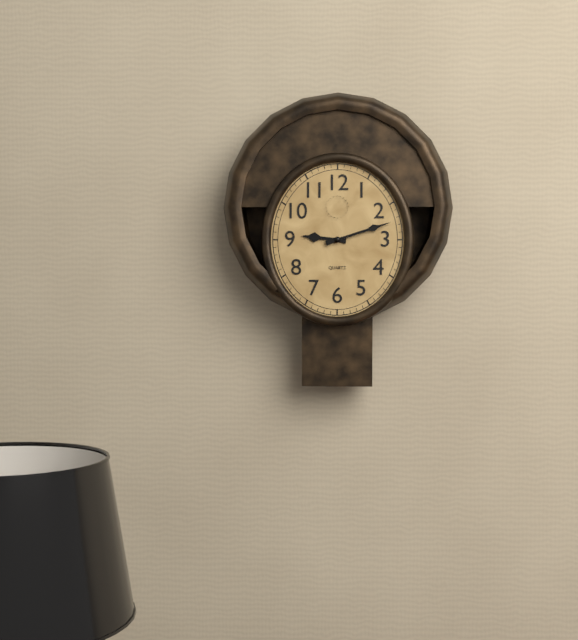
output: 9.12
